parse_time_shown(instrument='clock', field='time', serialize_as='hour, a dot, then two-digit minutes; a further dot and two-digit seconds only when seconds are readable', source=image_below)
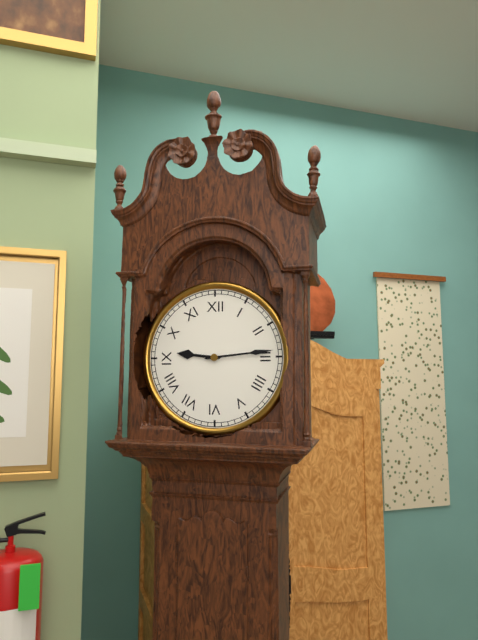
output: 9.14
